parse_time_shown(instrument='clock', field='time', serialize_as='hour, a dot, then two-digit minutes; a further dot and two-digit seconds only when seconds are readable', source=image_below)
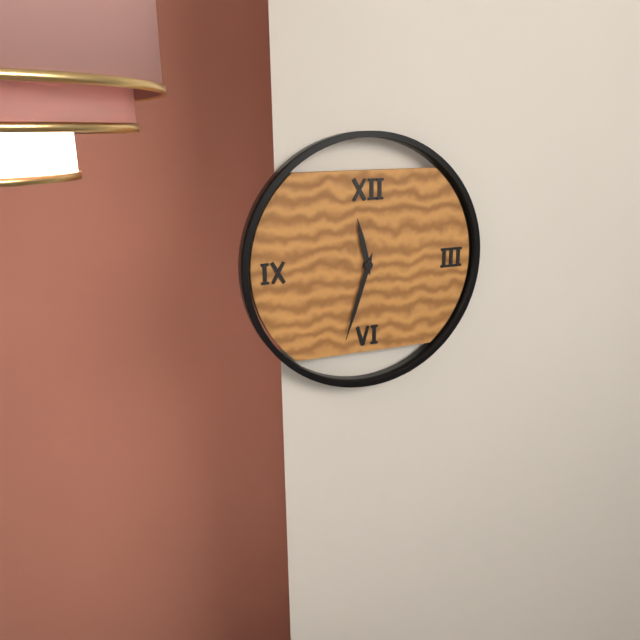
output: 11.33
